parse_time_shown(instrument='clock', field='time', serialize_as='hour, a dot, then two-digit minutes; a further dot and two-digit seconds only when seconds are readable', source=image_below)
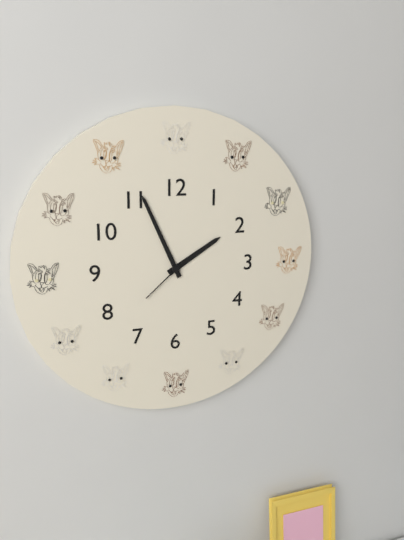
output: 1.56.38
